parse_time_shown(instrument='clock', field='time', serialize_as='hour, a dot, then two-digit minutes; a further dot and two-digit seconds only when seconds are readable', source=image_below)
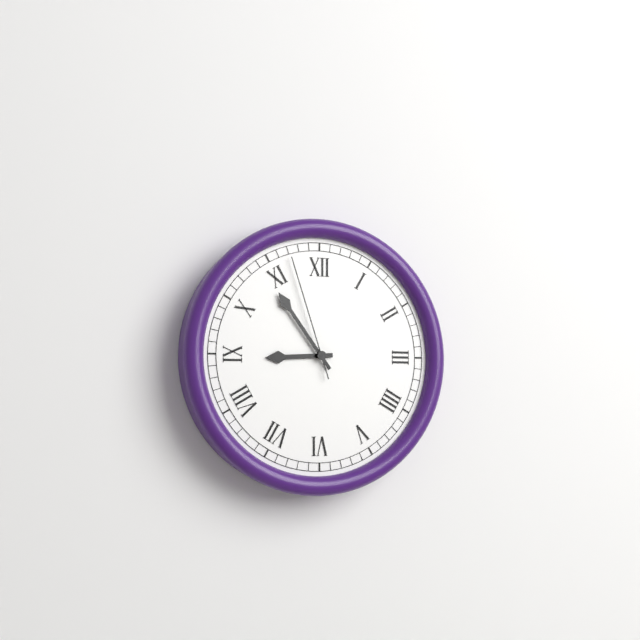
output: 8.54.57
